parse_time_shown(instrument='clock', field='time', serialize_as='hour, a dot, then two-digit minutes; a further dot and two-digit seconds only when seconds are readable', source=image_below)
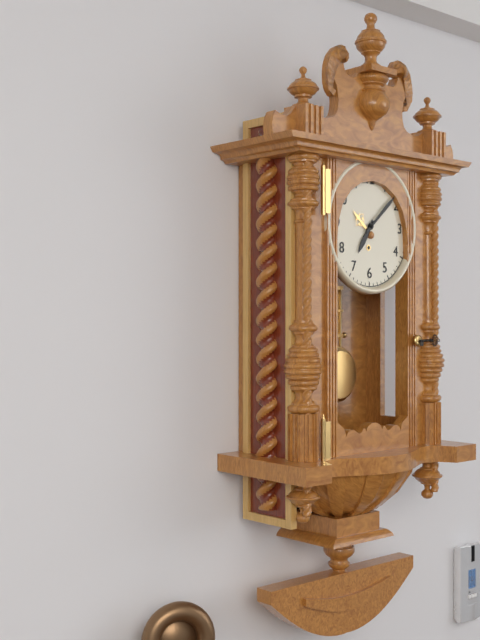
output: 7.08
